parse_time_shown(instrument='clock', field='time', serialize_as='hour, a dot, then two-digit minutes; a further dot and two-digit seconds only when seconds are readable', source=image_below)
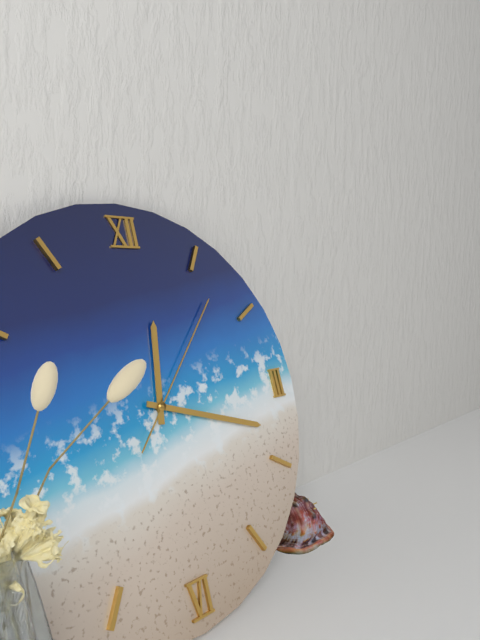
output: 12.18.07
